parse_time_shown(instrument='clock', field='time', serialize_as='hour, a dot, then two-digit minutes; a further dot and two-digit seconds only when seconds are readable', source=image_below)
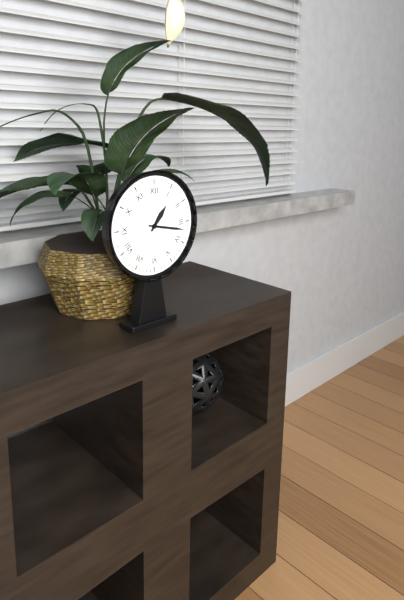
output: 1.17
